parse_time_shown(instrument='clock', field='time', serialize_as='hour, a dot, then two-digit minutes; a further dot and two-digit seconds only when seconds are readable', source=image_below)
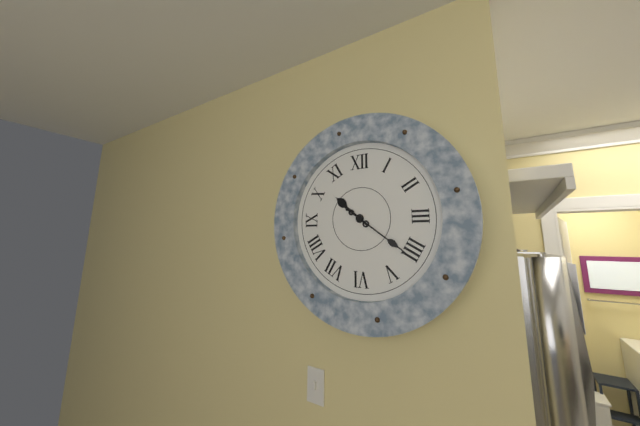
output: 10.21
